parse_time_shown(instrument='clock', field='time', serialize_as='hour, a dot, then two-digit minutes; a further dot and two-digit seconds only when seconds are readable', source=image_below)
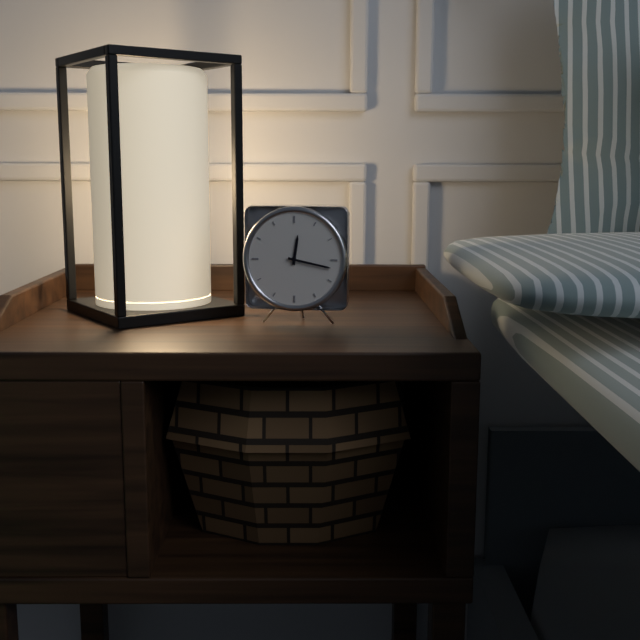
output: 12.17
